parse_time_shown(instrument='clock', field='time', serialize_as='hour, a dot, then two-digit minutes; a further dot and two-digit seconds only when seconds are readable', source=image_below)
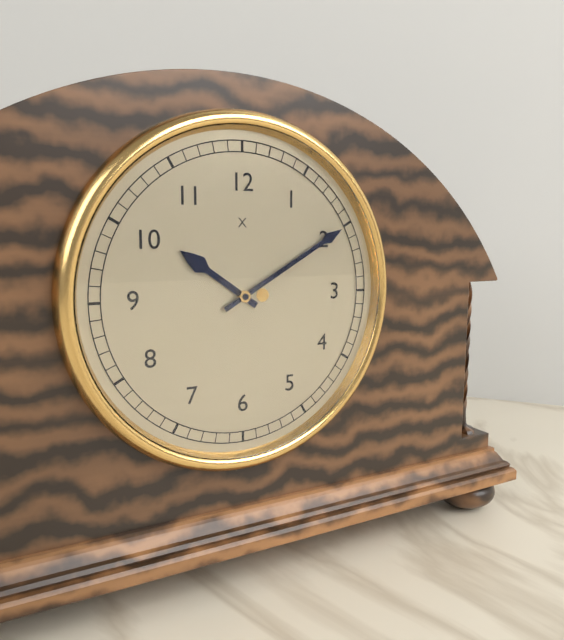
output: 10.10
